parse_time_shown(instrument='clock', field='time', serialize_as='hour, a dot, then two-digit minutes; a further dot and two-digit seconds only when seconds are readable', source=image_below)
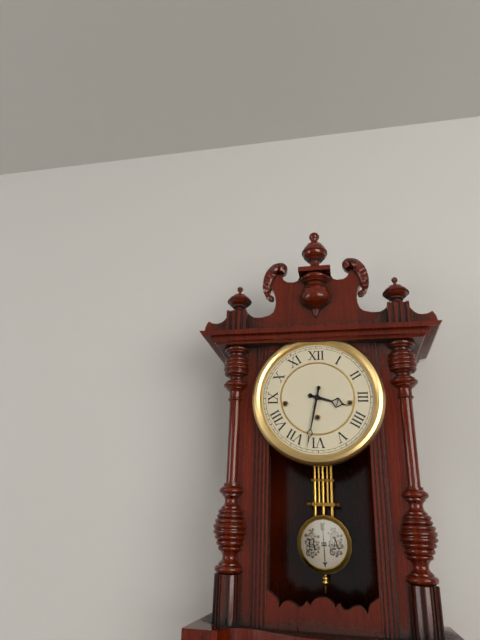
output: 3.32
